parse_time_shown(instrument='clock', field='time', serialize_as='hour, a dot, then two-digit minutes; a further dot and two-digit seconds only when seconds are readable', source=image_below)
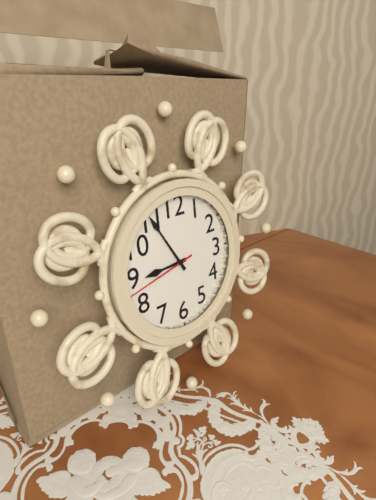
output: 8.55.43
